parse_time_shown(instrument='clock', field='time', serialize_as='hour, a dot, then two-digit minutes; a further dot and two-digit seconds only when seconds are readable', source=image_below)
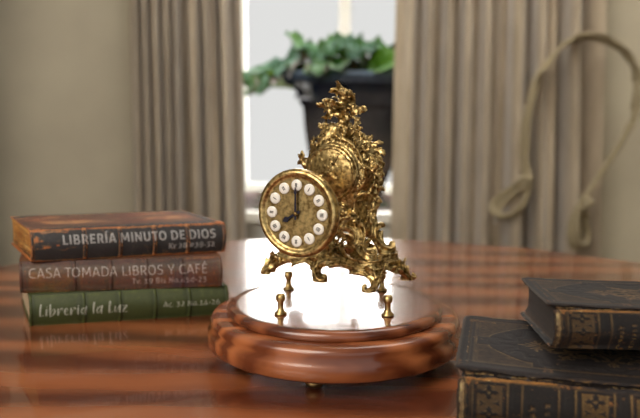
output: 8.00
